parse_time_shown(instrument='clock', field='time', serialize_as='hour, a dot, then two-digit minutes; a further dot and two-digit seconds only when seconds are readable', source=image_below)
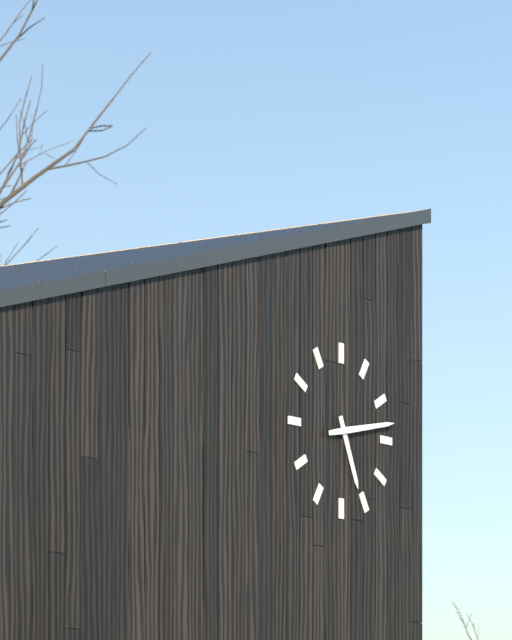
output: 5.13
